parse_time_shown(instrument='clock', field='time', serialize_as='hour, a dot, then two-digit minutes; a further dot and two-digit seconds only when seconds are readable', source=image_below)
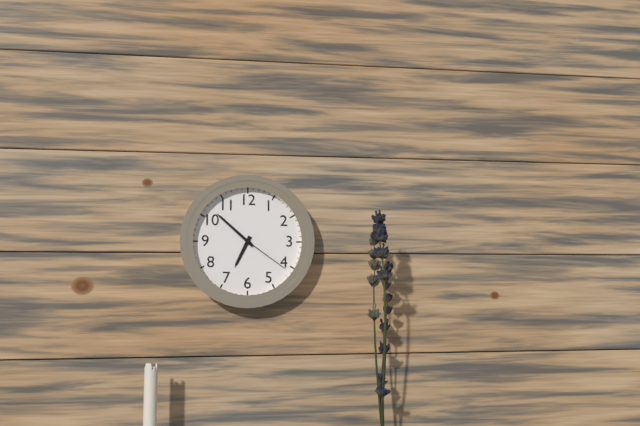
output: 6.52.21
